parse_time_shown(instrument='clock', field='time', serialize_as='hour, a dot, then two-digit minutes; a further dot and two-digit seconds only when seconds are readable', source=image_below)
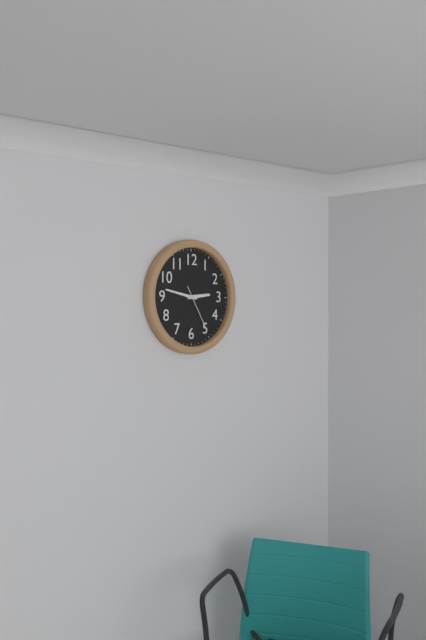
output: 2.47
